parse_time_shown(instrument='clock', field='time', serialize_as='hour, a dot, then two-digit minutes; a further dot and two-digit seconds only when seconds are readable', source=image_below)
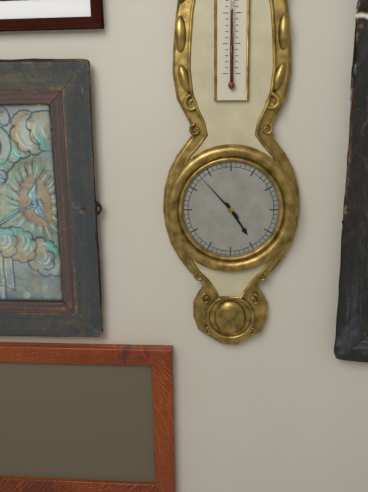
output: 4.53
